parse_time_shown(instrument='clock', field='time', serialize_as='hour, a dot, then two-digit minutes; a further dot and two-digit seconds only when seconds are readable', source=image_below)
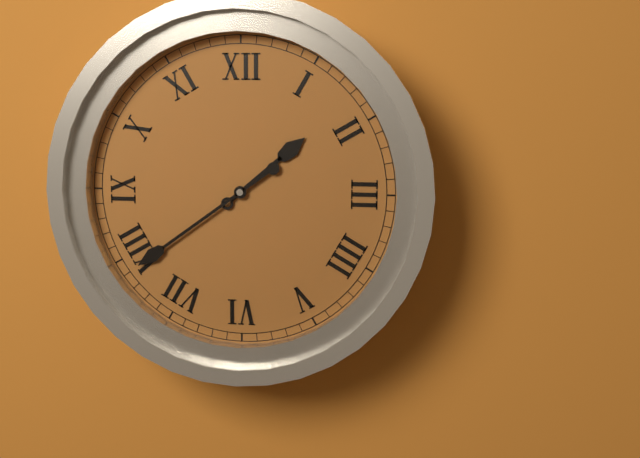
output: 1.39
